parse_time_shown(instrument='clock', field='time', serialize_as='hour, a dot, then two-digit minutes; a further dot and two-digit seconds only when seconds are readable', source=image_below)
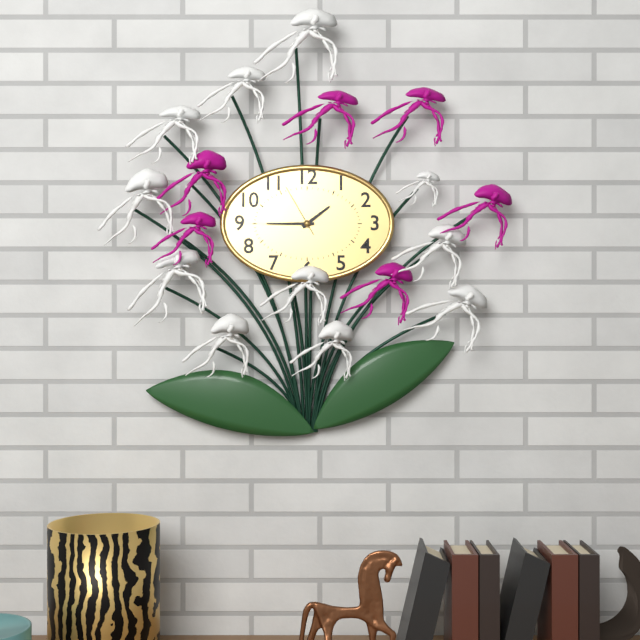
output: 1.45.55
